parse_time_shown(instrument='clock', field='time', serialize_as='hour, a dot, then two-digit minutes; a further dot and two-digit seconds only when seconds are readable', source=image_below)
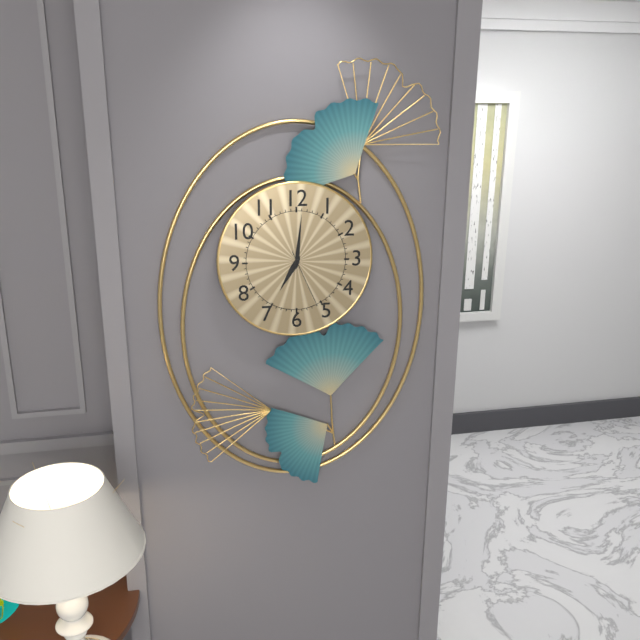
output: 7.01.26
